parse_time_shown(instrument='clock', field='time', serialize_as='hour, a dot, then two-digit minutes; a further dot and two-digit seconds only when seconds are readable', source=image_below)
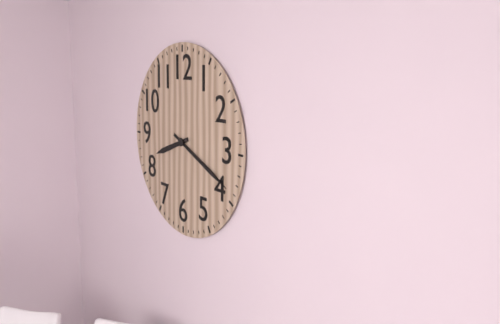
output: 8.19
